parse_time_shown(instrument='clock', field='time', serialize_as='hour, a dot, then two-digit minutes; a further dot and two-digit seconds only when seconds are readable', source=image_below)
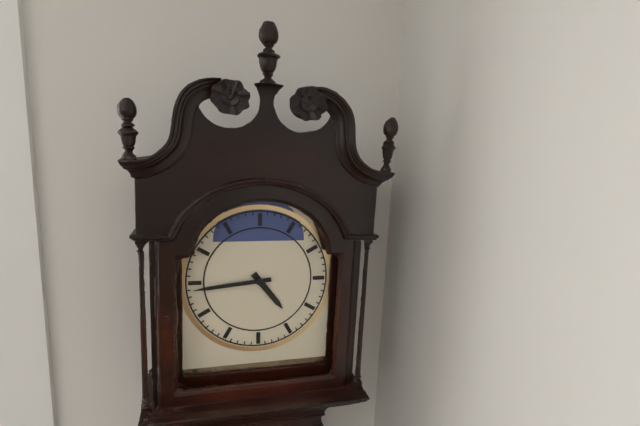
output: 4.44
